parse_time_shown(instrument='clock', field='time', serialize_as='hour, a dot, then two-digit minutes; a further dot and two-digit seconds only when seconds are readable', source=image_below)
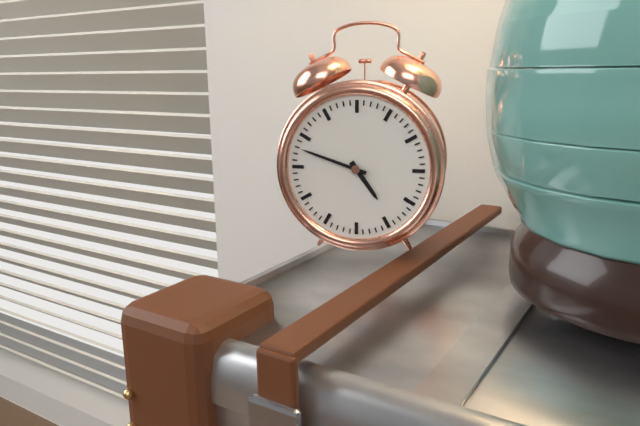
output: 4.48
